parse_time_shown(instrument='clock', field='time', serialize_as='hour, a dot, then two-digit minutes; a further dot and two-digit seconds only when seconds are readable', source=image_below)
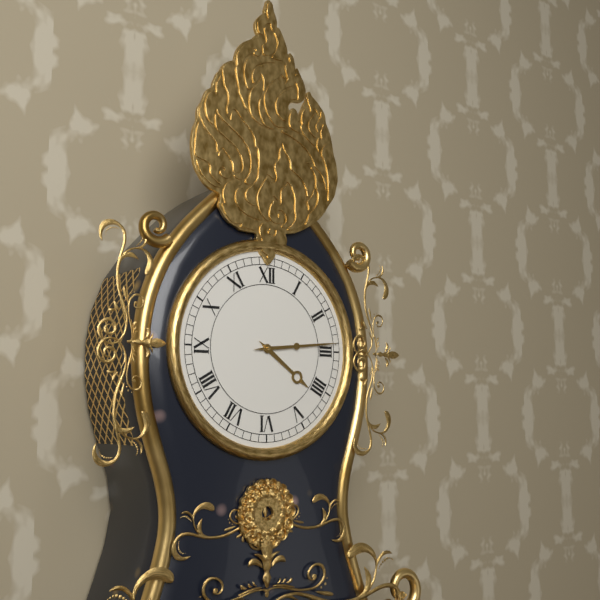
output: 4.14
